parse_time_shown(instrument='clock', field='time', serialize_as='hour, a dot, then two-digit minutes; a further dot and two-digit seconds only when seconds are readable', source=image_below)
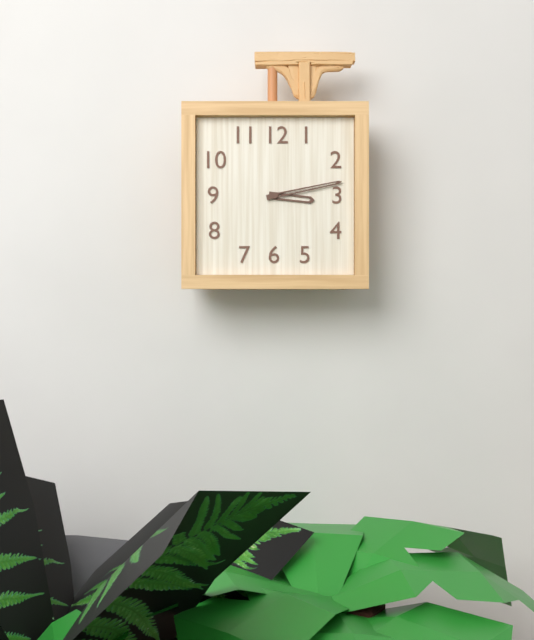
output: 3.13
